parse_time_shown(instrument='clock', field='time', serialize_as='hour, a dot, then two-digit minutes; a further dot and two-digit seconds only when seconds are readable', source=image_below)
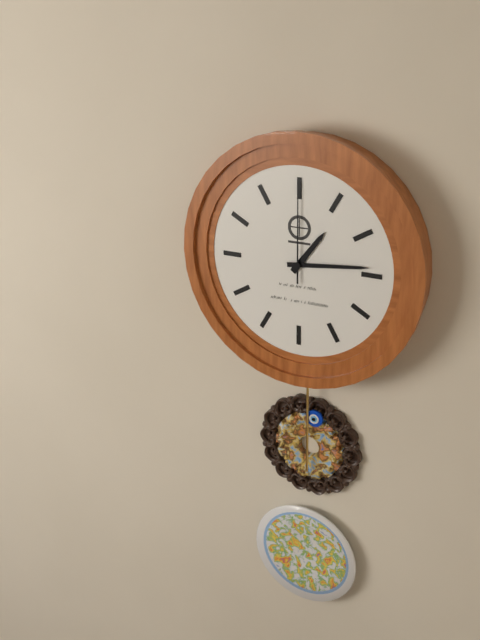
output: 1.14.00
